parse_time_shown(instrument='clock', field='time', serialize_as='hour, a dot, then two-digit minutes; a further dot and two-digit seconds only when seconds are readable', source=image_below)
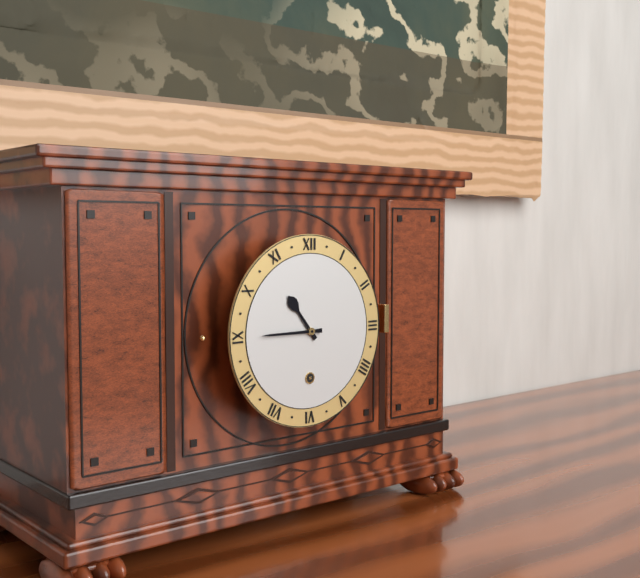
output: 10.45
